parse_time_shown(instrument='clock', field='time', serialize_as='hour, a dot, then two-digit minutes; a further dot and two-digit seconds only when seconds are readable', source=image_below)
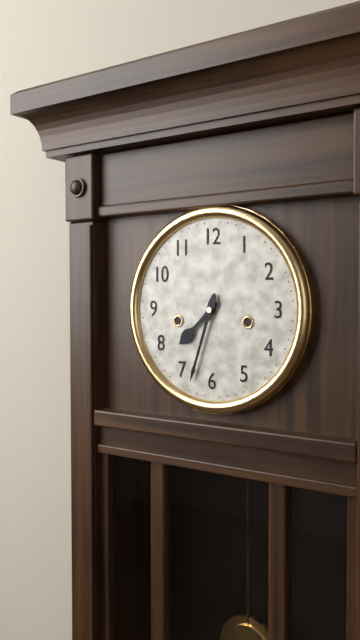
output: 7.33
